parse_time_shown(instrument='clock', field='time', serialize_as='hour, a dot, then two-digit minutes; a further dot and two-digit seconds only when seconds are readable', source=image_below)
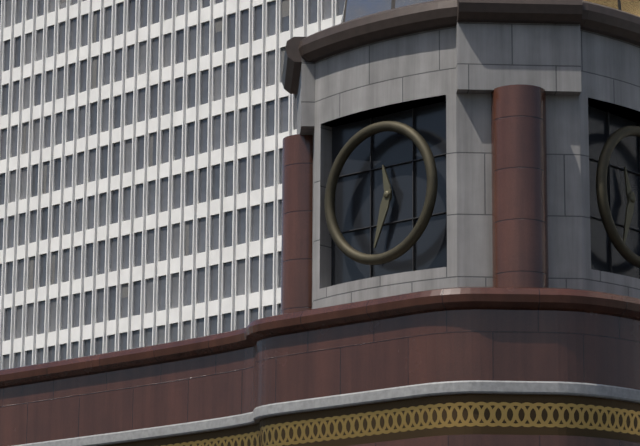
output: 11.33
